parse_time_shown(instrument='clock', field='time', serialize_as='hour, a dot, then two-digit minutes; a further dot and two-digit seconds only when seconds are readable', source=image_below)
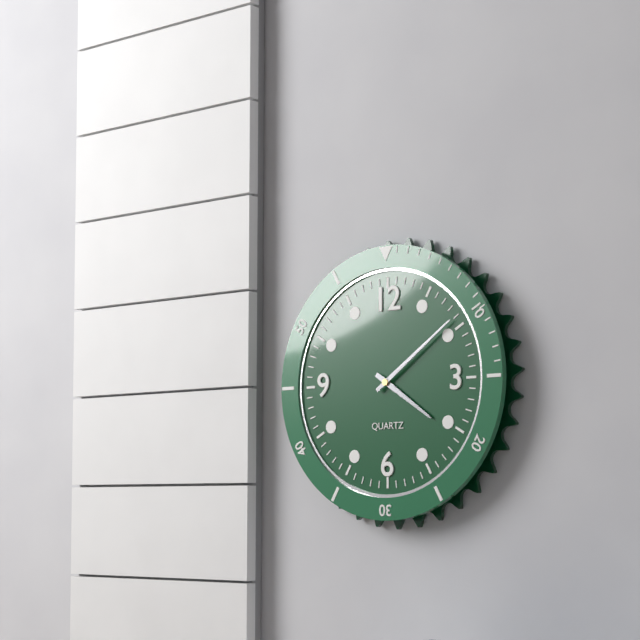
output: 4.09
